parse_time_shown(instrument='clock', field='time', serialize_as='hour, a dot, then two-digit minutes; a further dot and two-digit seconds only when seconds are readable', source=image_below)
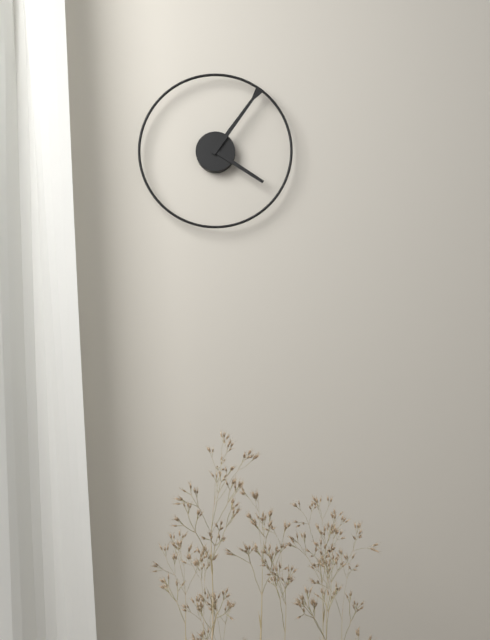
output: 4.06
